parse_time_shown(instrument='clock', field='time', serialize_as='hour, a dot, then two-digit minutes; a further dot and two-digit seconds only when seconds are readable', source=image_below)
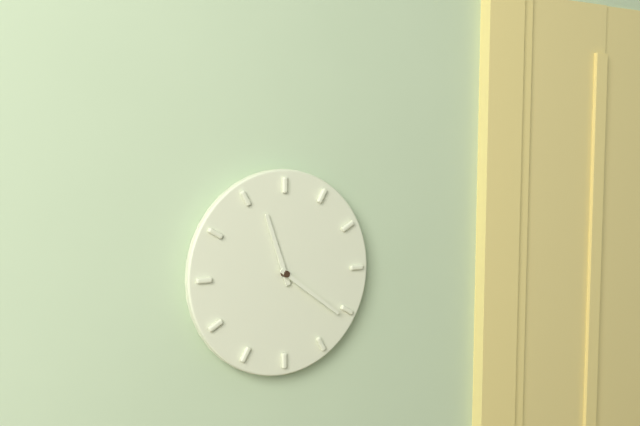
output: 11.21
